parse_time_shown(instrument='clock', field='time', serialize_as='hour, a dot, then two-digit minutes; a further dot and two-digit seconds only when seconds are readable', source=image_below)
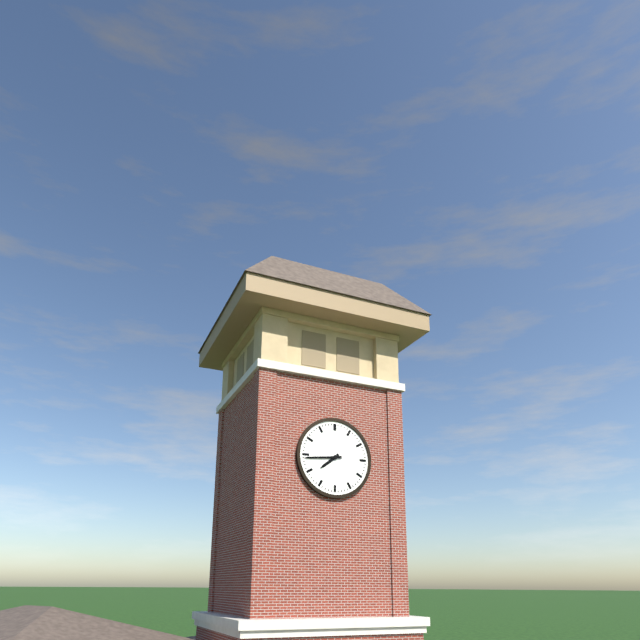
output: 7.44
